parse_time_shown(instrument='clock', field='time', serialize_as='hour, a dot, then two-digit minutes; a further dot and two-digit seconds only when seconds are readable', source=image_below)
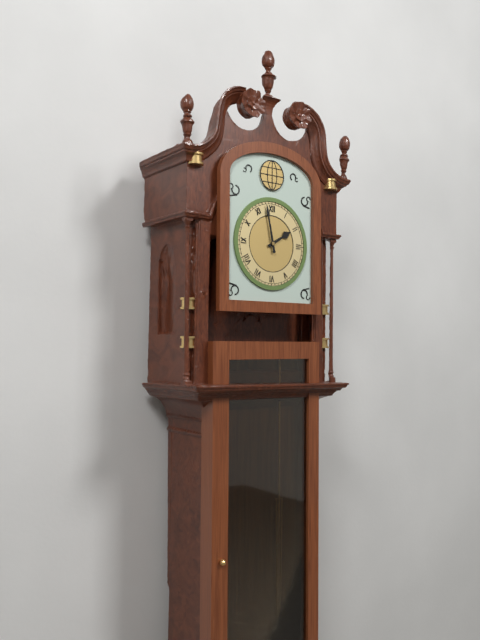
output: 1.58
